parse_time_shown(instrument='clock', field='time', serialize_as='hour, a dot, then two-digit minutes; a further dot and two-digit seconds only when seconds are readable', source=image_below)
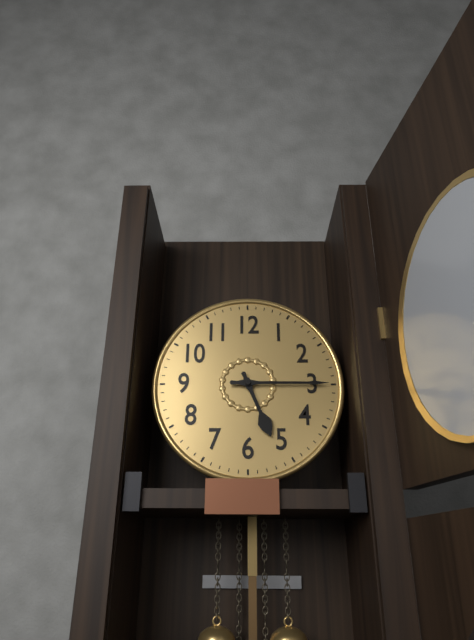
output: 5.15
